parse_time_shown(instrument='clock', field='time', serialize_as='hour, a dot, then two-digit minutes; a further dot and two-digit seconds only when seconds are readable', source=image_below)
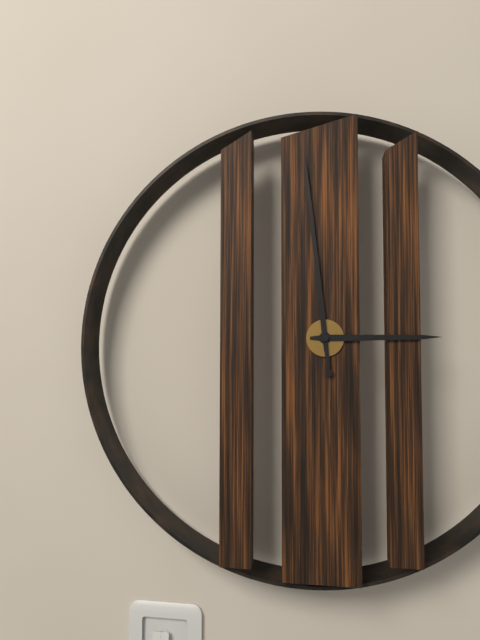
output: 2.59
